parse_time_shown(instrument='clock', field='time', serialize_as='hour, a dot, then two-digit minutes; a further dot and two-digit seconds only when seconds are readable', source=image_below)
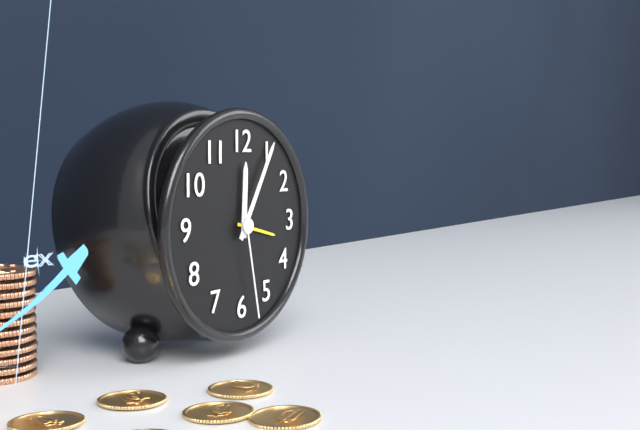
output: 12.05.28
